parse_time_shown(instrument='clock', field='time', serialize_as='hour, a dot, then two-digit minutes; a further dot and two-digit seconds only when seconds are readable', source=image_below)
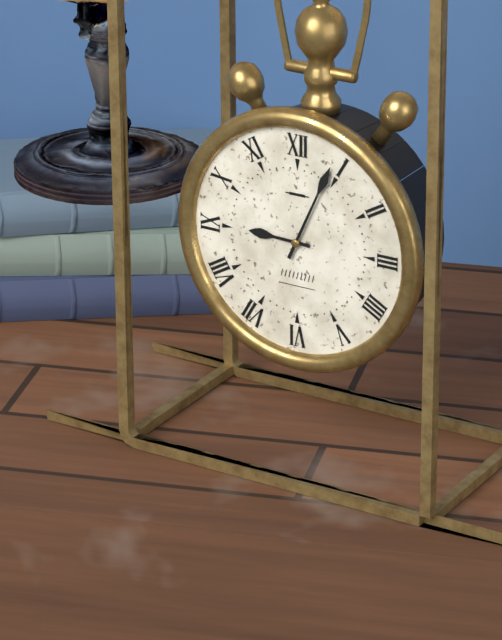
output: 9.04
